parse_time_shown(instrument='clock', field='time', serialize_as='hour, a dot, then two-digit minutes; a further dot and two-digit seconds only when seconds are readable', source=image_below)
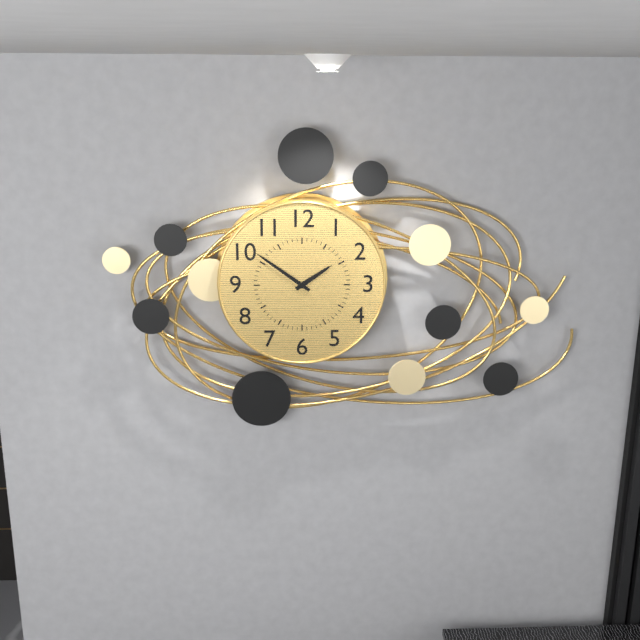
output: 1.51
